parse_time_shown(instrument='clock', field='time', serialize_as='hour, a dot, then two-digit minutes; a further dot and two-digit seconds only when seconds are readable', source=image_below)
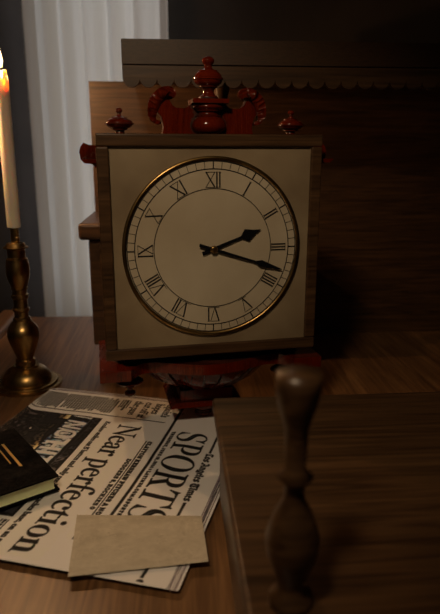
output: 2.18
